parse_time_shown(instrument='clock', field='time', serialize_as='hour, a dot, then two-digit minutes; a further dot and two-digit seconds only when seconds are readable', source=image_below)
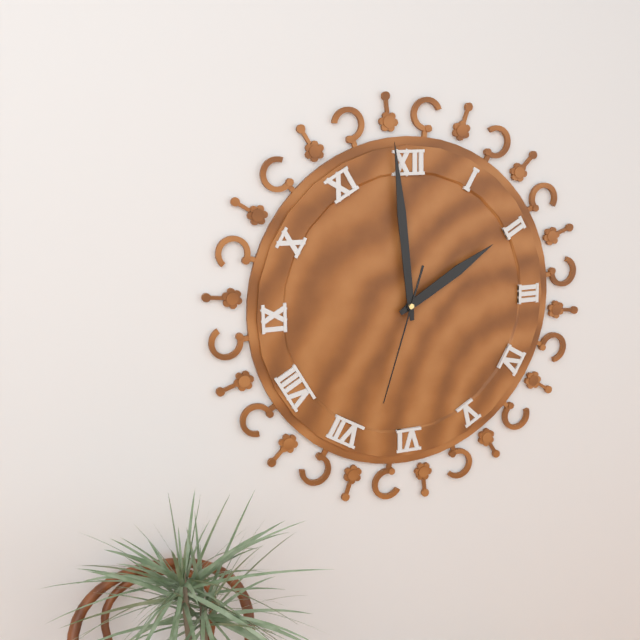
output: 1.59.33
